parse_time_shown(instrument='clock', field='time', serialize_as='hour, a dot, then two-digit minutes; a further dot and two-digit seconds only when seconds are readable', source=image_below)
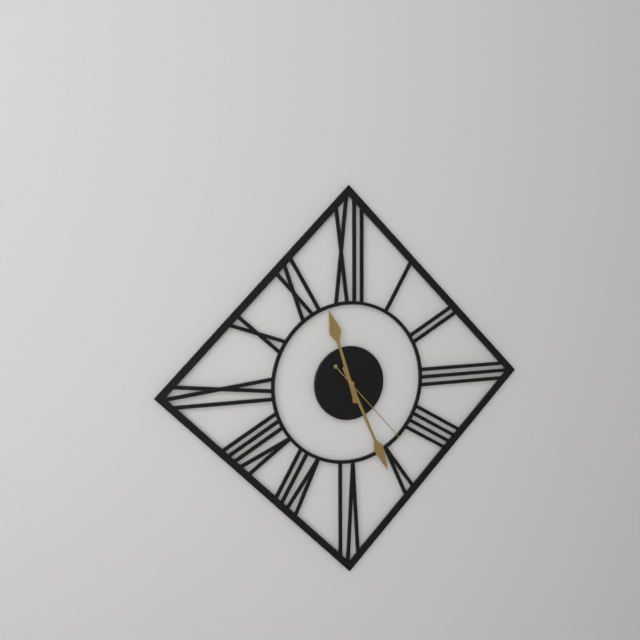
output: 11.26.23
